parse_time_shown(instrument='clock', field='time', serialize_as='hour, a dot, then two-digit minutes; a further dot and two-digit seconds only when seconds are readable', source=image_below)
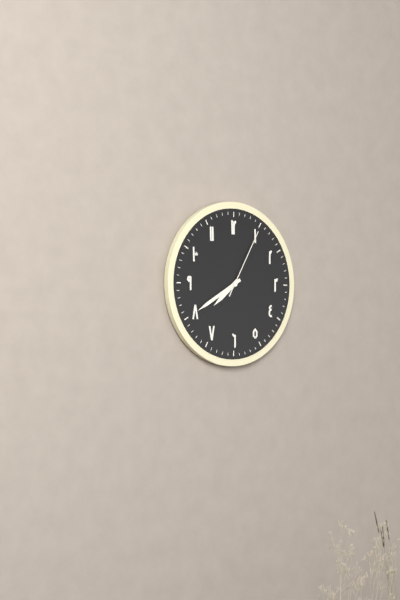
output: 7.40.05
